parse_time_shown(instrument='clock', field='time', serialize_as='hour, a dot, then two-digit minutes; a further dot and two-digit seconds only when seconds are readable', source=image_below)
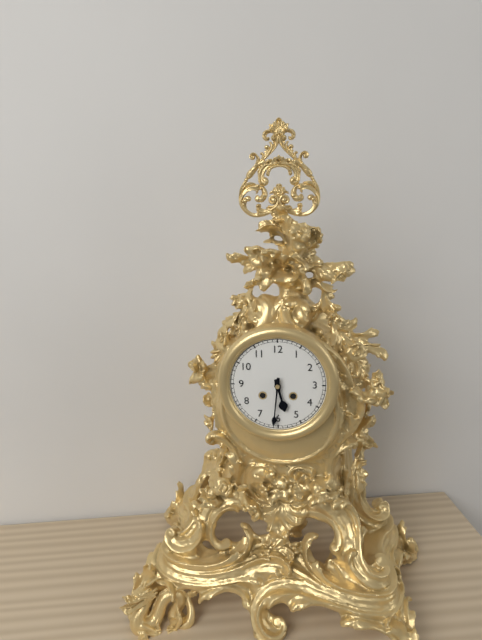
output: 5.31
